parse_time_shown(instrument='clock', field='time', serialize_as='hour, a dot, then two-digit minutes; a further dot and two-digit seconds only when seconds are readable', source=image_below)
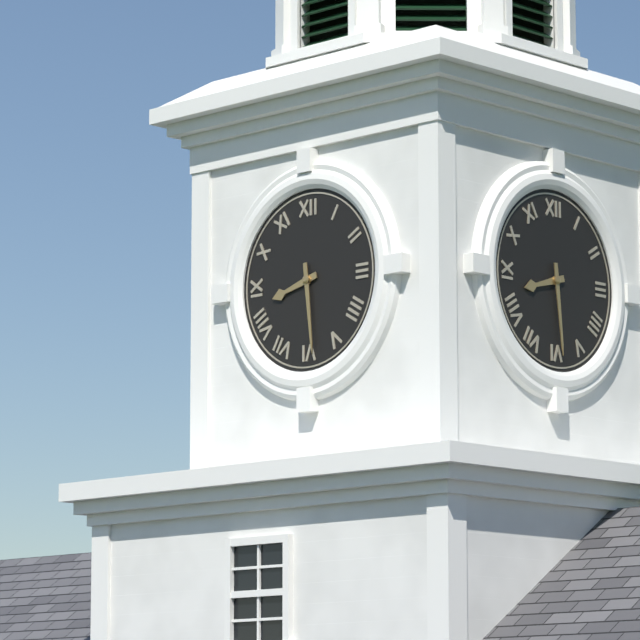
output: 8.29
